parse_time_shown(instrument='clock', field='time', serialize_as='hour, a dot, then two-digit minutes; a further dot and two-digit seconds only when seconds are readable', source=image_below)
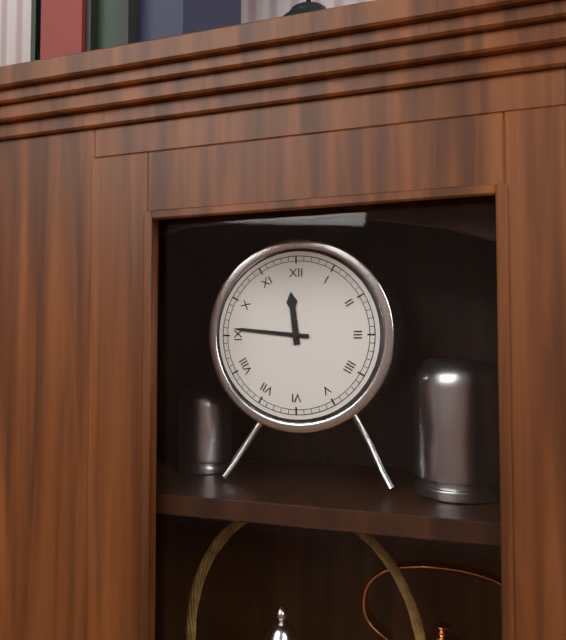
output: 11.46
